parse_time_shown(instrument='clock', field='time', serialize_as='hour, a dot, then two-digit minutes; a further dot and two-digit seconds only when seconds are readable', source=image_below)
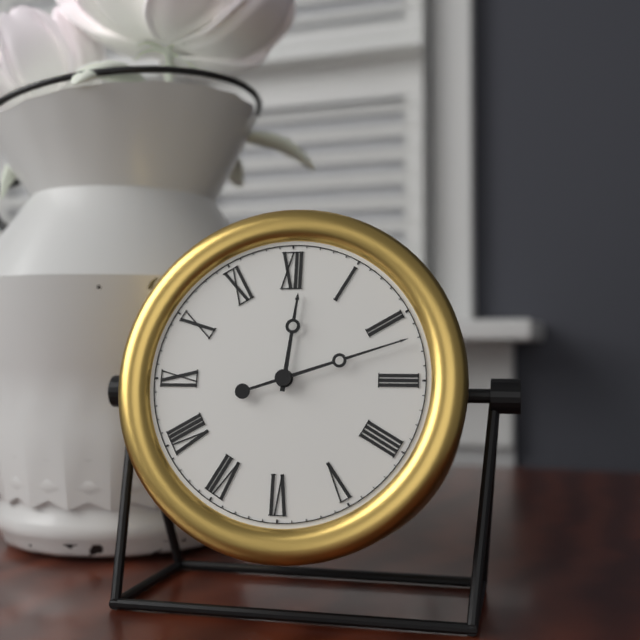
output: 12.12
